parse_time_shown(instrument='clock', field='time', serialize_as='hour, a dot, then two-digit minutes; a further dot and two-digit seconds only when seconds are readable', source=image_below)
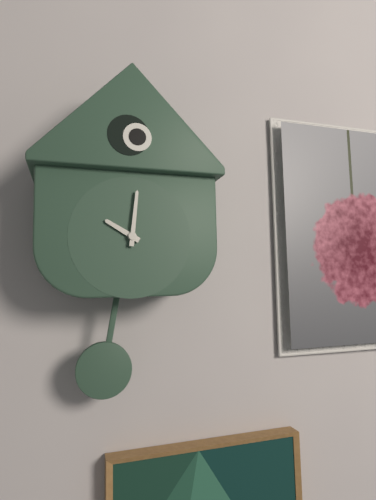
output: 10.01
